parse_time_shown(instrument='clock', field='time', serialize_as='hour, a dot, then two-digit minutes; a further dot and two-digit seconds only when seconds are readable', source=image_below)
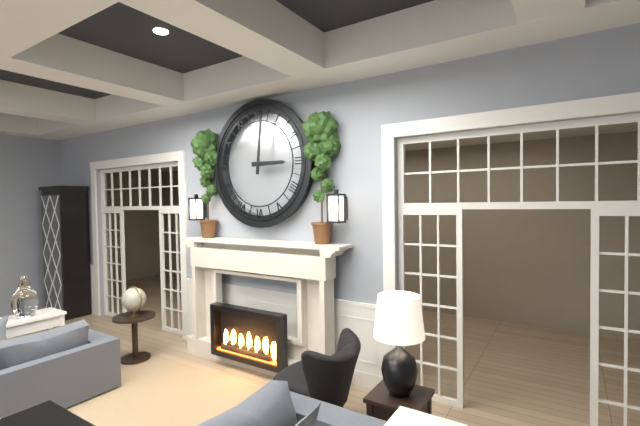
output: 3.01
